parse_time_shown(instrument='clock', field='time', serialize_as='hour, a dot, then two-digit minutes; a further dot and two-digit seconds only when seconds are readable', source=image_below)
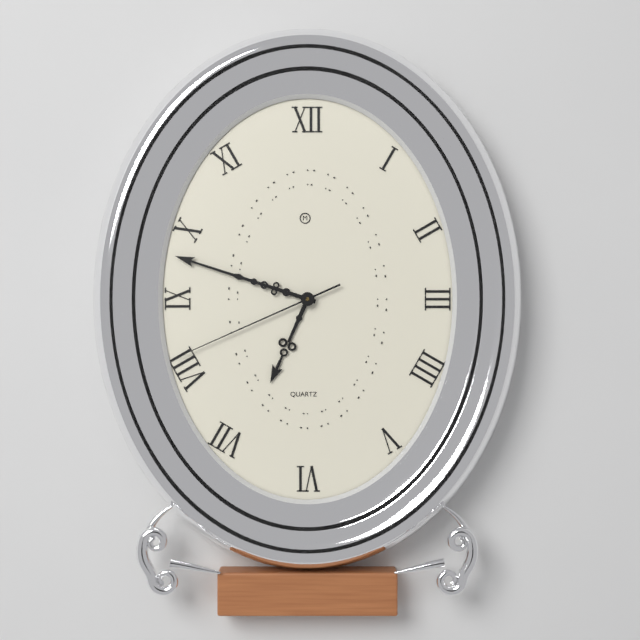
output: 6.48.41
